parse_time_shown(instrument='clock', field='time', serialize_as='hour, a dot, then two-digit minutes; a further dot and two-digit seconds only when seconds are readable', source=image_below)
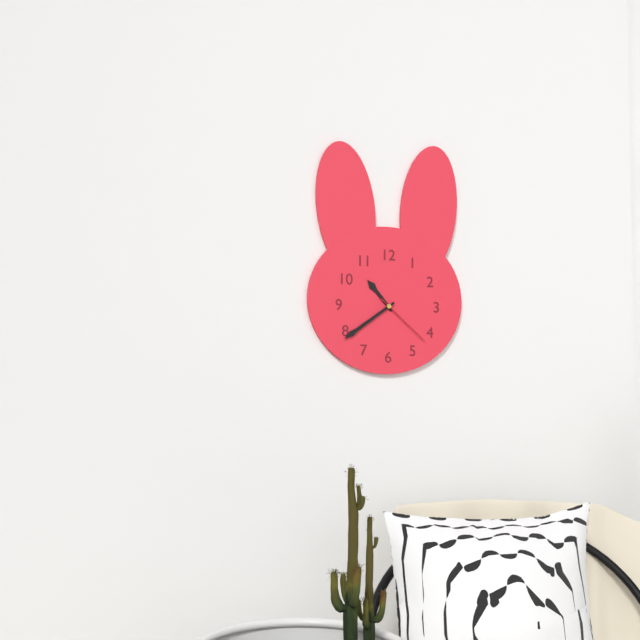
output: 10.39.22
